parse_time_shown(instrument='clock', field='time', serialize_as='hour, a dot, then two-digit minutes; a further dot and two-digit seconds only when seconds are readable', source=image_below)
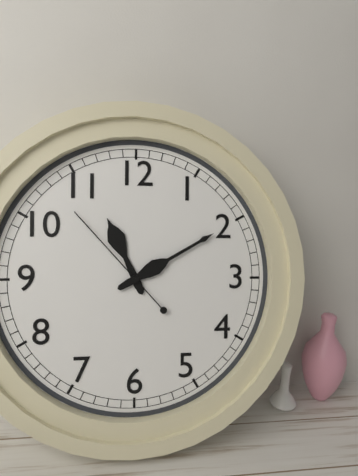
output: 11.10.53
